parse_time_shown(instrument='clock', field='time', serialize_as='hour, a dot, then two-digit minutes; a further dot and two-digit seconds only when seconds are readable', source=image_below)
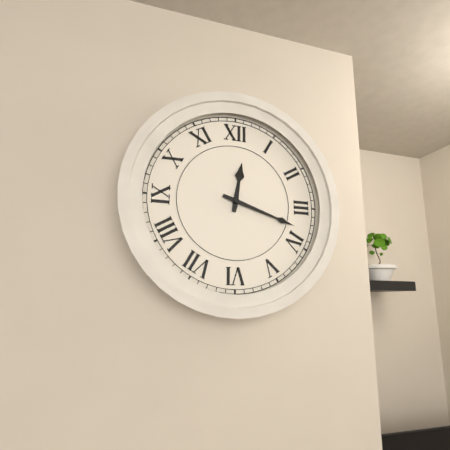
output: 12.18
